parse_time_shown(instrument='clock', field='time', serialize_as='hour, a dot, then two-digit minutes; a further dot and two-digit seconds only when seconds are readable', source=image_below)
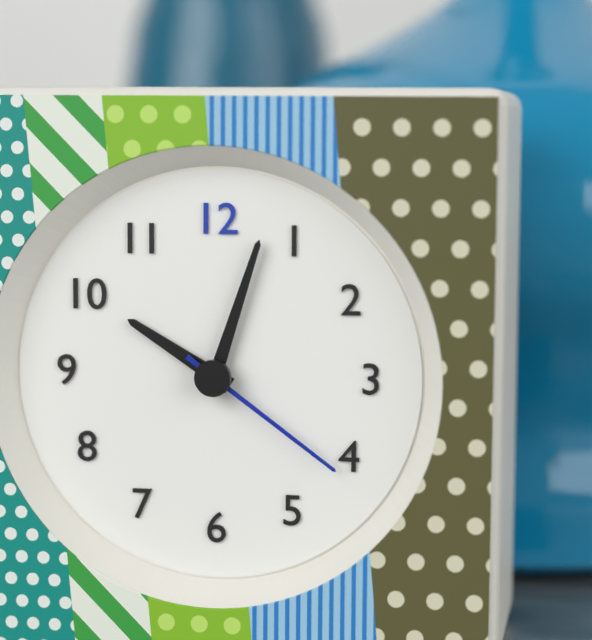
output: 10.03.21
